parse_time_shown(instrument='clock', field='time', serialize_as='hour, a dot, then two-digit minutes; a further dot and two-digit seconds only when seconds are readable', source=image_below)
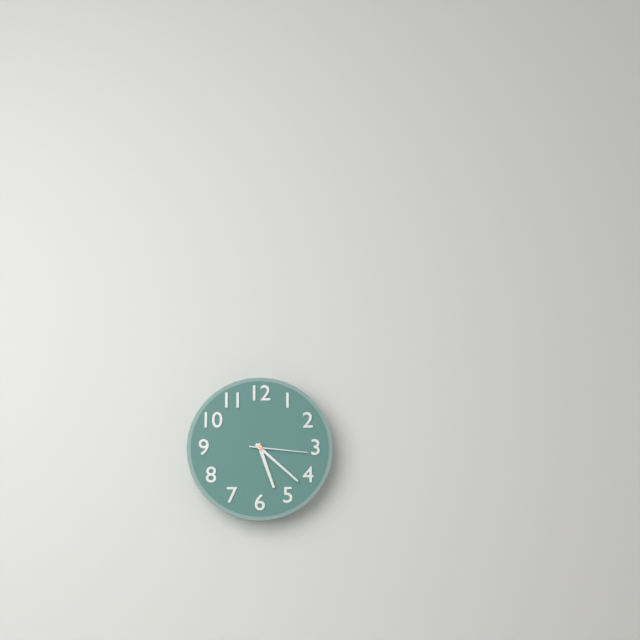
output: 5.22.16
